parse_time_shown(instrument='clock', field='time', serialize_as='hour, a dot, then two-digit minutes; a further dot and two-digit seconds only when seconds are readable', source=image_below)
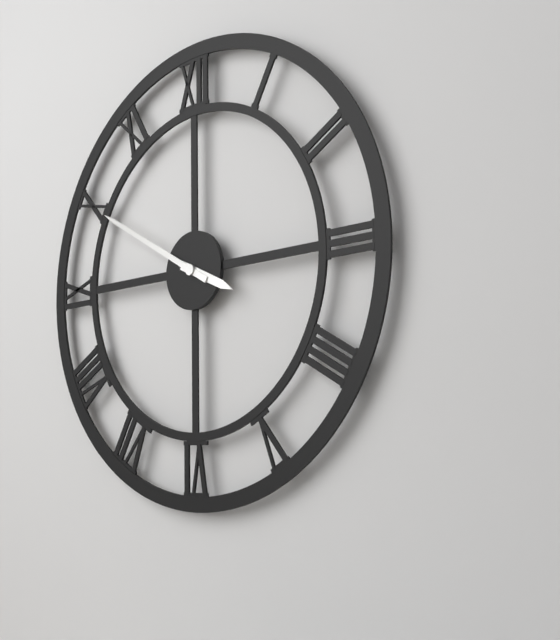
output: 3.50
